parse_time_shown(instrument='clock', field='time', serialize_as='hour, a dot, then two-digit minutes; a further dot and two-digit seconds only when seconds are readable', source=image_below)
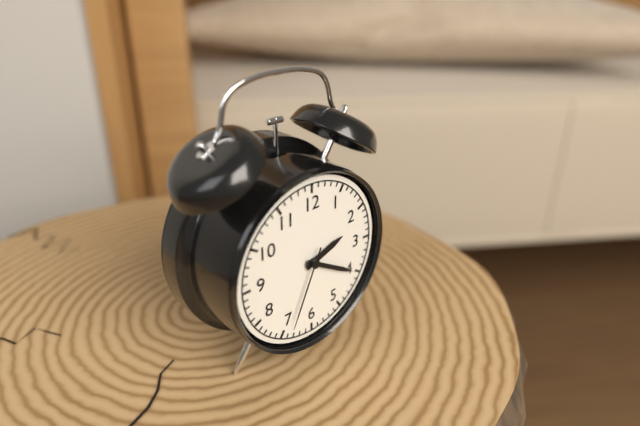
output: 2.20.34
